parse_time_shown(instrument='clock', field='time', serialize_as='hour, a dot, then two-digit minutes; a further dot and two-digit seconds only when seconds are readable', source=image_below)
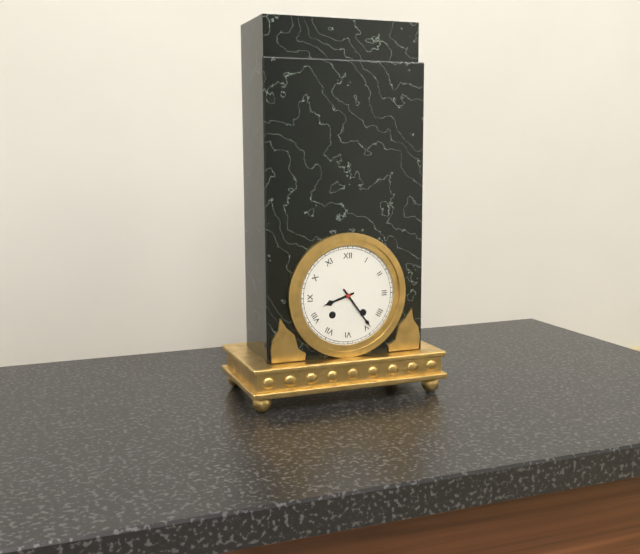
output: 8.24
